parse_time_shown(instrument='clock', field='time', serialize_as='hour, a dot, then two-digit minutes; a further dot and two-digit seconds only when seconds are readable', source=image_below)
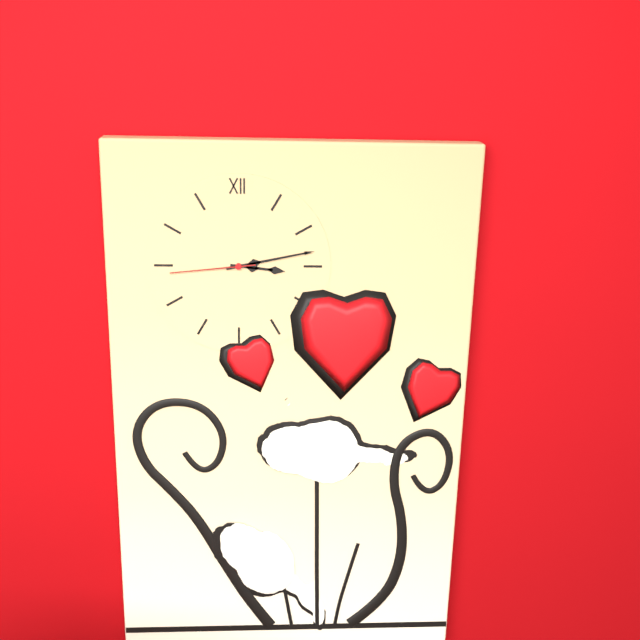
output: 3.13.44
